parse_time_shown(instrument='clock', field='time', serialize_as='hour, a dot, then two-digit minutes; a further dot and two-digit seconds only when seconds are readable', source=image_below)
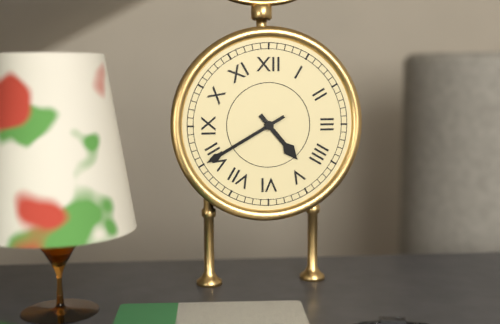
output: 4.40
